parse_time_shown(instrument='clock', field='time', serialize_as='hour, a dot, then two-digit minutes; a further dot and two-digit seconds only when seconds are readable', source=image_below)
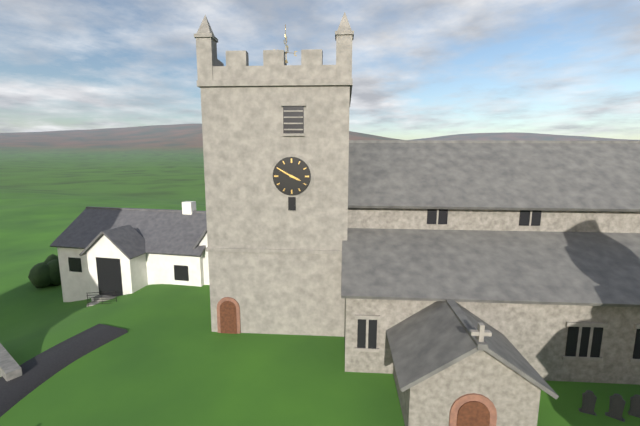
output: 3.50
